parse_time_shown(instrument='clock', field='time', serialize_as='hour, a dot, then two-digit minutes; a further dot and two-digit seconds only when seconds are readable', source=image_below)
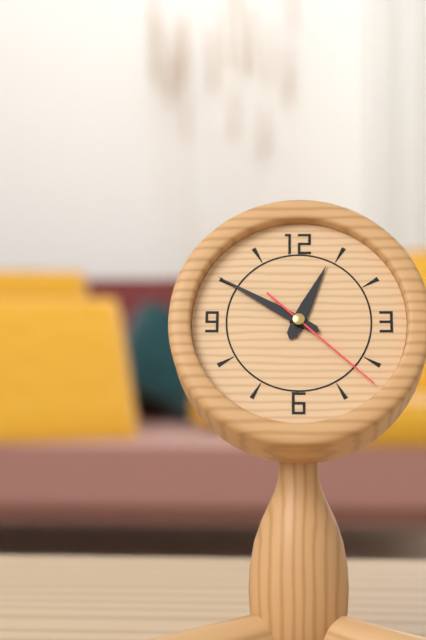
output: 12.50.22
